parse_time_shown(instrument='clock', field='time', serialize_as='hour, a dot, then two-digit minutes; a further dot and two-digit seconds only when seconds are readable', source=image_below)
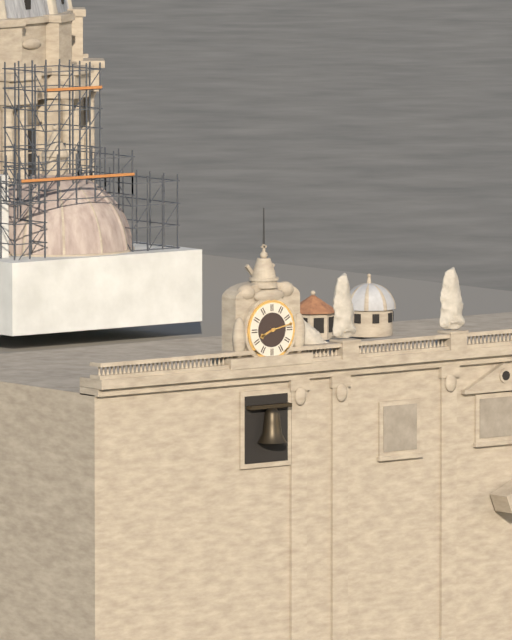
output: 8.13
